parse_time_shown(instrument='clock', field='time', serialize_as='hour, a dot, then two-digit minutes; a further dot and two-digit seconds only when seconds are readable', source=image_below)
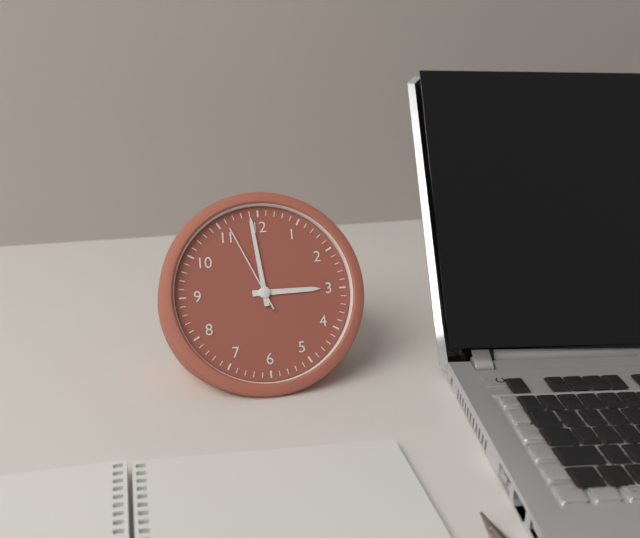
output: 2.59.56
